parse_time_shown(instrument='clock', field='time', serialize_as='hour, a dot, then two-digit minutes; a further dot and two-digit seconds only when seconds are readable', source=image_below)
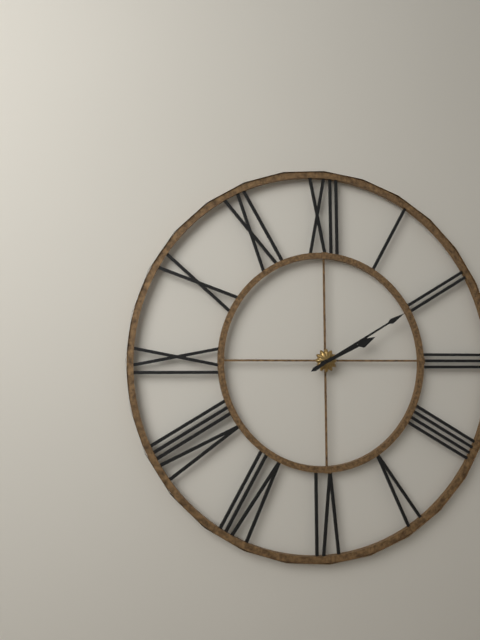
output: 2.10
